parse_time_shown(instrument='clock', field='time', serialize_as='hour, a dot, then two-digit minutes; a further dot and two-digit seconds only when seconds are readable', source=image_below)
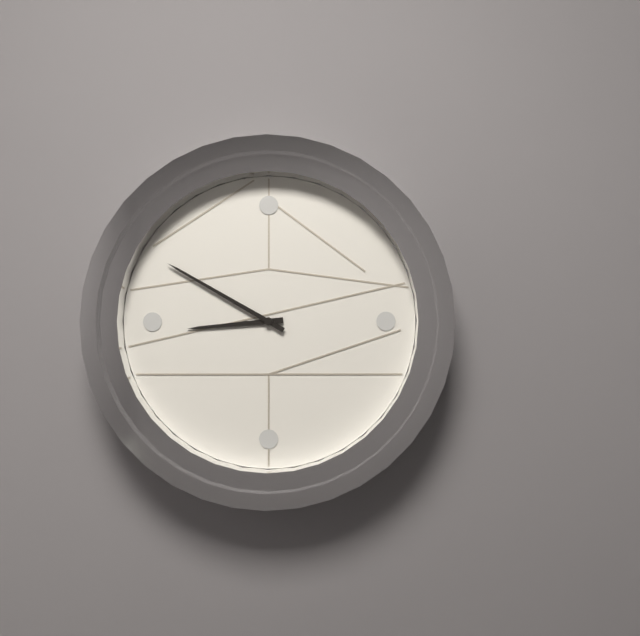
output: 8.50
